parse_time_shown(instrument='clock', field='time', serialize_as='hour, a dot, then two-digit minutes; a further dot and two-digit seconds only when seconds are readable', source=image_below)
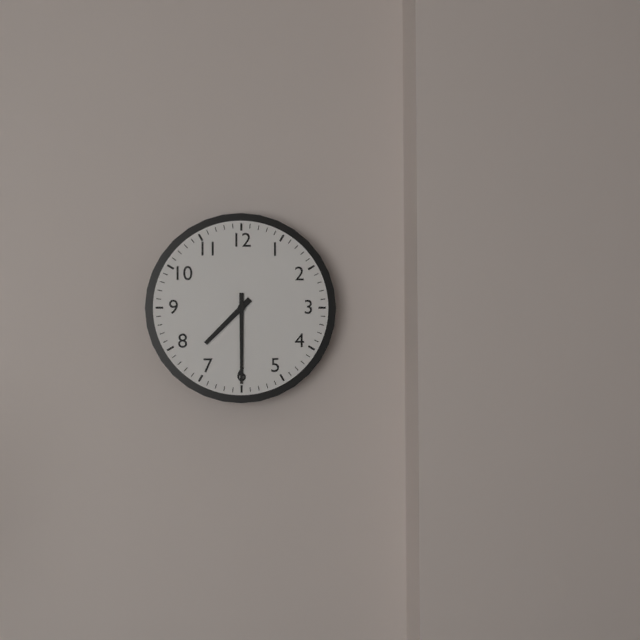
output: 7.30
